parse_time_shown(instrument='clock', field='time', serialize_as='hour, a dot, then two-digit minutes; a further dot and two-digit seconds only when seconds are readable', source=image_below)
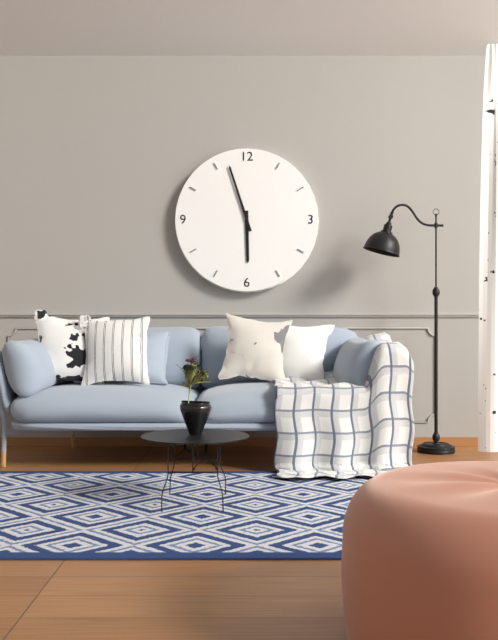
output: 5.57
